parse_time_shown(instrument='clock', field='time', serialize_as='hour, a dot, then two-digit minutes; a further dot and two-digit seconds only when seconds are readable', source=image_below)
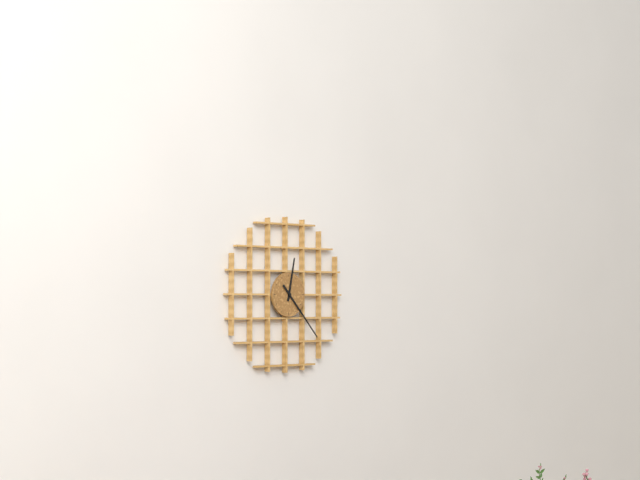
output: 12.23
